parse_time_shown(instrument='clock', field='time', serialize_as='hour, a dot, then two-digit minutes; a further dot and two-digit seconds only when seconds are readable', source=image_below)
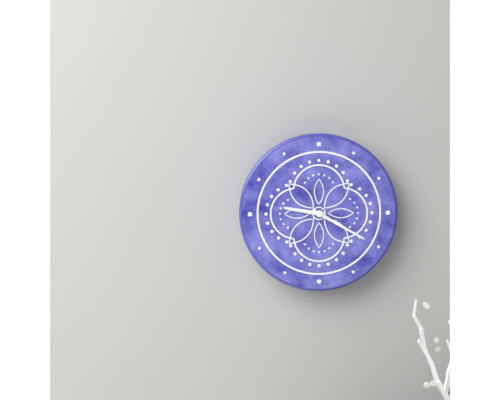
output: 9.20
